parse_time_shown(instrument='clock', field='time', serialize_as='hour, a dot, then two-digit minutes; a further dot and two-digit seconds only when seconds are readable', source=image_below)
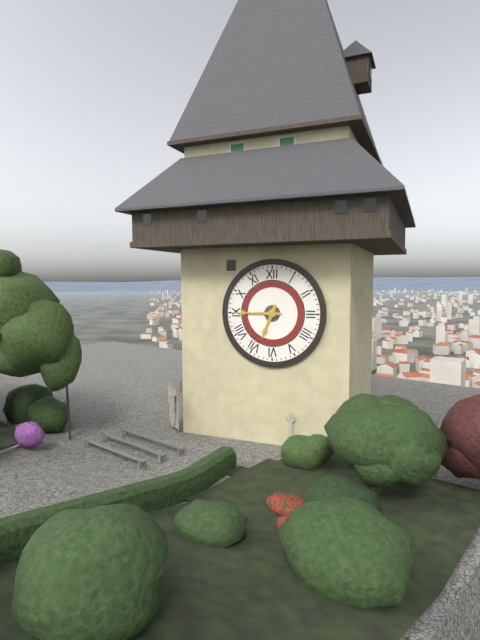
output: 6.45
